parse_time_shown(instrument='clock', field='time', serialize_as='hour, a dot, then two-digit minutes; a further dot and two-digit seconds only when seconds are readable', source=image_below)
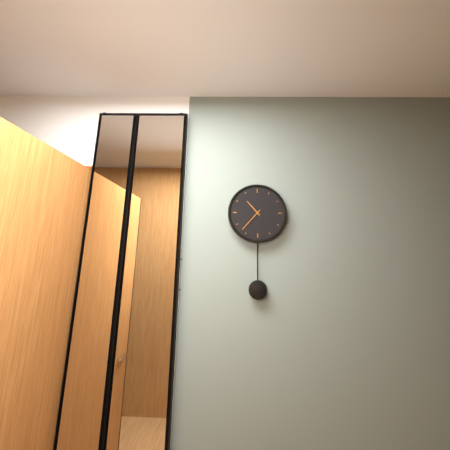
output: 10.37
